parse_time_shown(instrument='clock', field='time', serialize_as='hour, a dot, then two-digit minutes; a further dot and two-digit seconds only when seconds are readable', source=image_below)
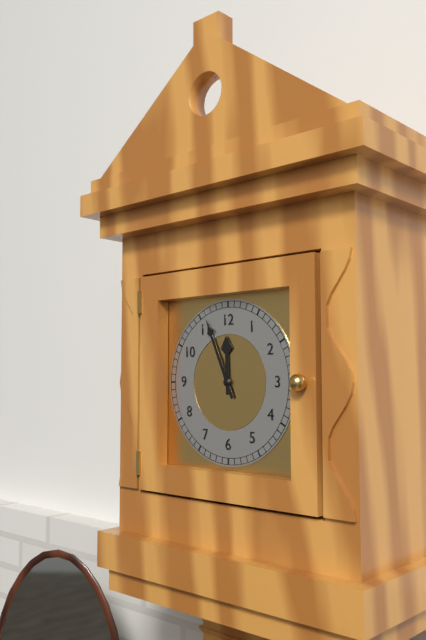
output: 11.56
